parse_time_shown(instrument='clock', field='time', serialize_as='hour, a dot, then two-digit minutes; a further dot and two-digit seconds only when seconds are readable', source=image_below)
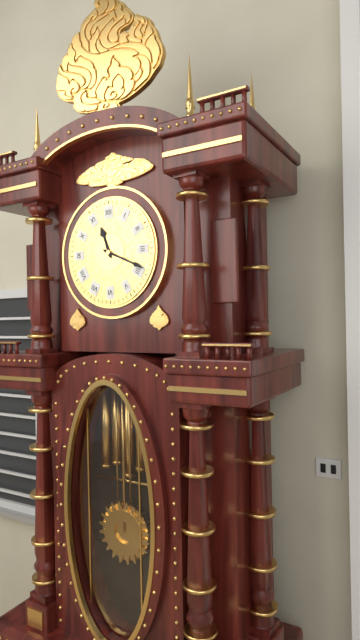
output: 11.19
